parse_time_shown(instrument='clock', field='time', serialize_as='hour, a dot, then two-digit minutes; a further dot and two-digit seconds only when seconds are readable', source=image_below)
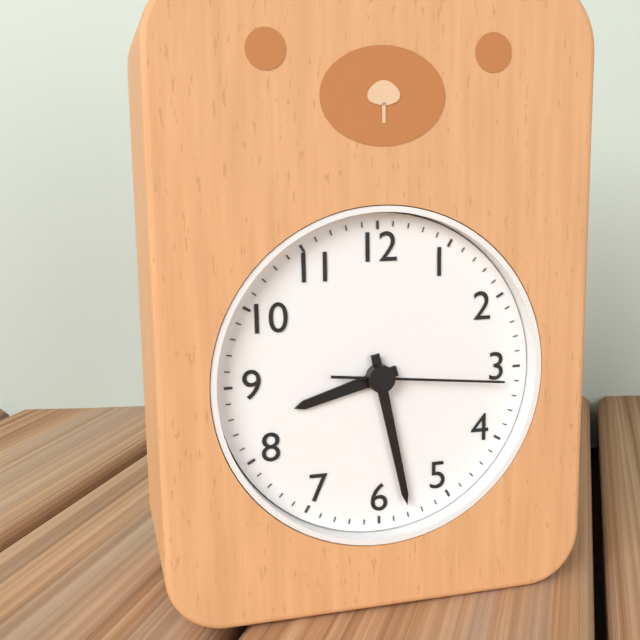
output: 8.28.16
